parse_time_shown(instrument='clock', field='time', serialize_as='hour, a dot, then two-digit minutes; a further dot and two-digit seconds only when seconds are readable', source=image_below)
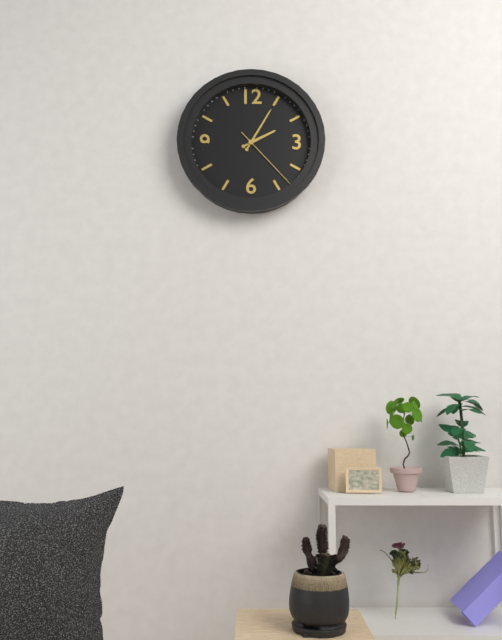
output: 2.05.23
